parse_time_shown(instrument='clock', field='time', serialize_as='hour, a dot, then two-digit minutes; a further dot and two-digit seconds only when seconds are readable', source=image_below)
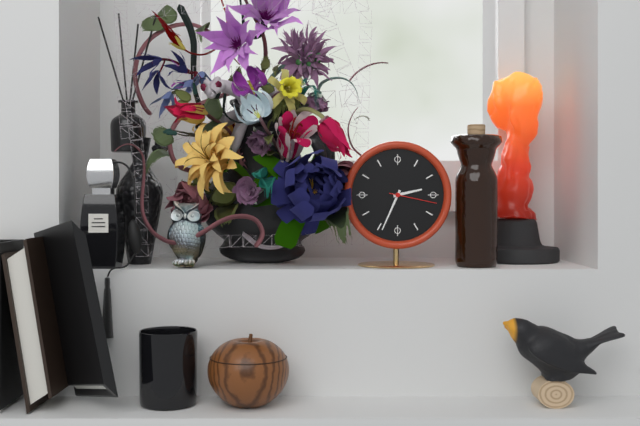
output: 2.34.17
